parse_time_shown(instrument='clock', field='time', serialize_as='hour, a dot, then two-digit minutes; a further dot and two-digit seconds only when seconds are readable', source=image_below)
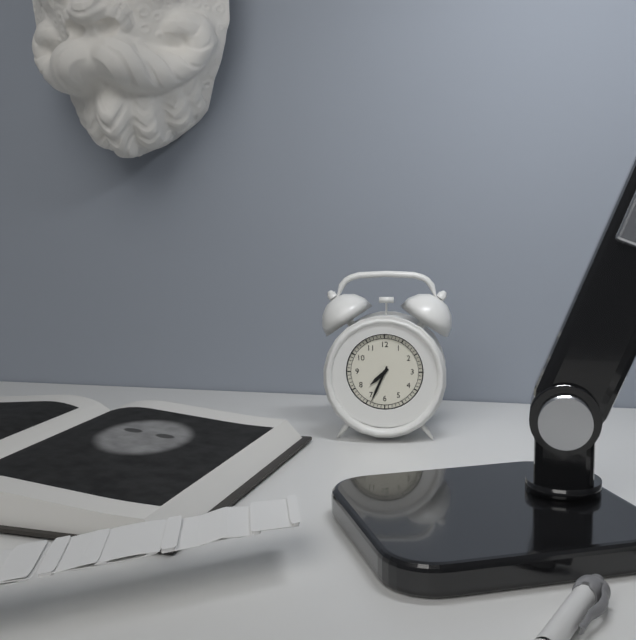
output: 7.34
